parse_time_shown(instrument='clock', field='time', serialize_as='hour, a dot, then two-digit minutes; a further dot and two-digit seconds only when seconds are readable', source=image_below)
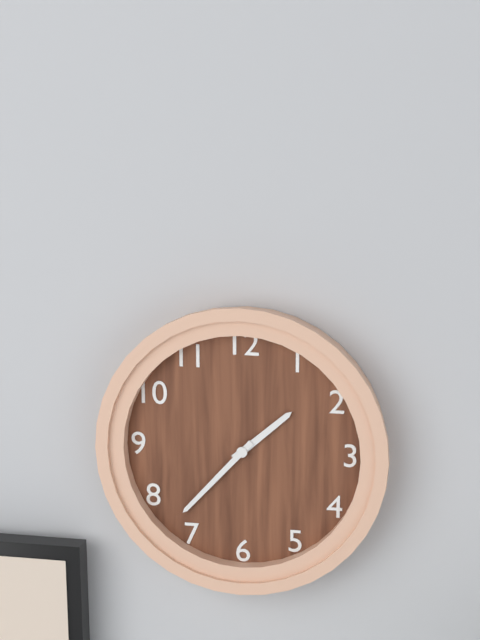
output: 1.37
